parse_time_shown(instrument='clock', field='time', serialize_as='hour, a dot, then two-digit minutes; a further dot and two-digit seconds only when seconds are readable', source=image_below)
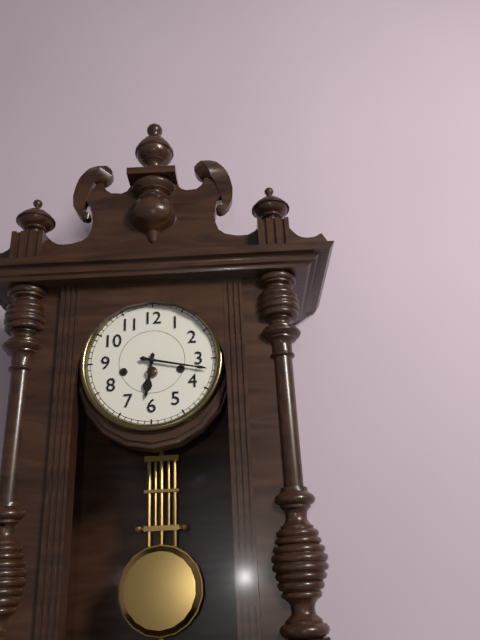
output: 6.17
